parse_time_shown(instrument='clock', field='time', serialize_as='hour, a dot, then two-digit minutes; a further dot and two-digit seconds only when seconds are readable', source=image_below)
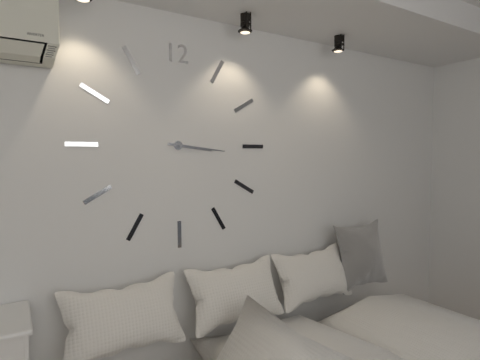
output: 3.16
